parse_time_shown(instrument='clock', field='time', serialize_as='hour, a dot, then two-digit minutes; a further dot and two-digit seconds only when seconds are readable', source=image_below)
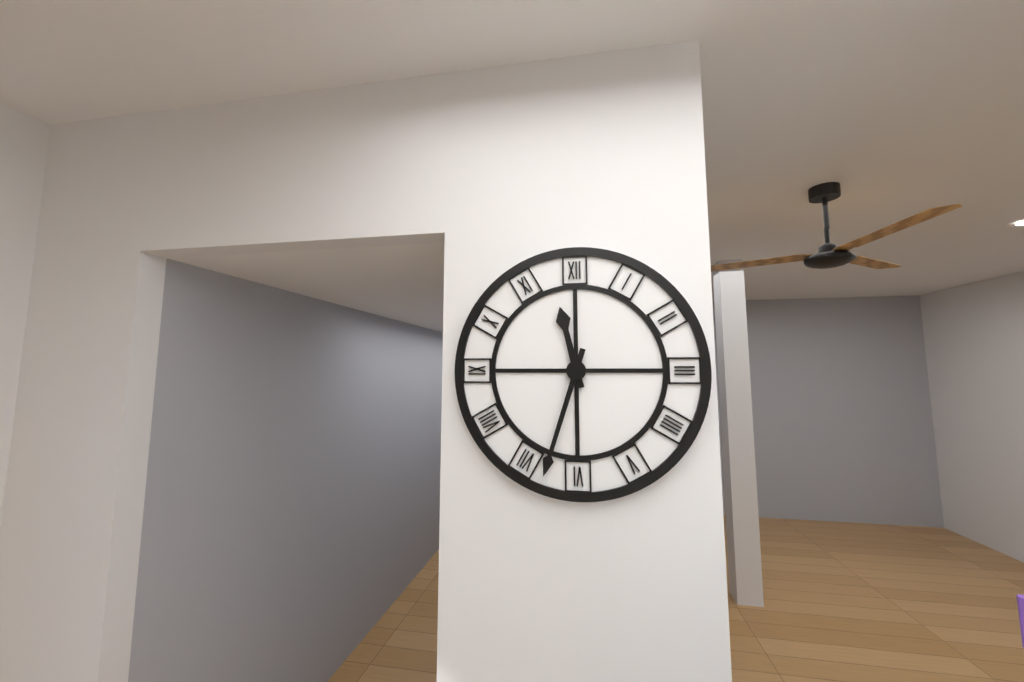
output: 11.33
